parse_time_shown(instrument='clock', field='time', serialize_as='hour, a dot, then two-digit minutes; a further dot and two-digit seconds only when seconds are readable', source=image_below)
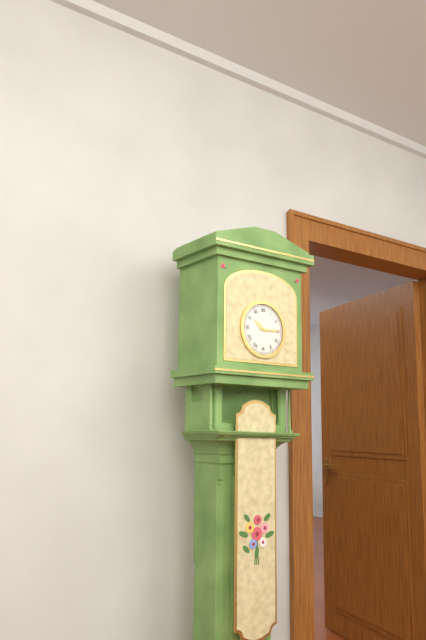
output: 10.15
